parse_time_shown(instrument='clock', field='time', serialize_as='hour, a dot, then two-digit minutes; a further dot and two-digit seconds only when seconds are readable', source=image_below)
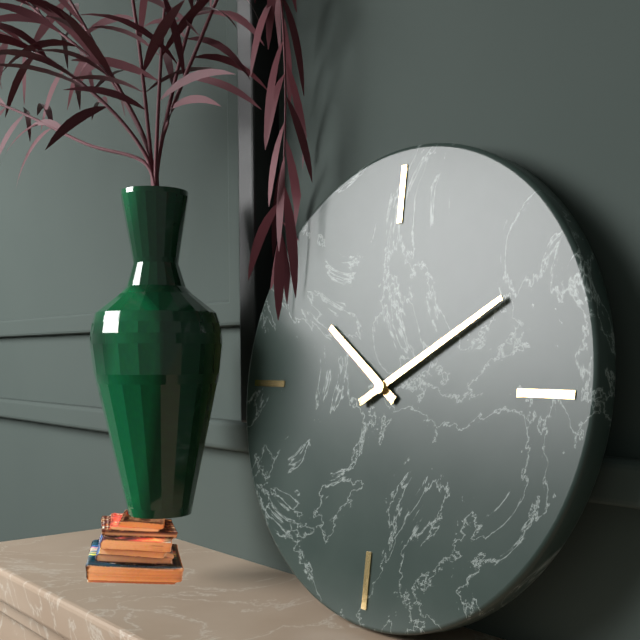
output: 10.10
